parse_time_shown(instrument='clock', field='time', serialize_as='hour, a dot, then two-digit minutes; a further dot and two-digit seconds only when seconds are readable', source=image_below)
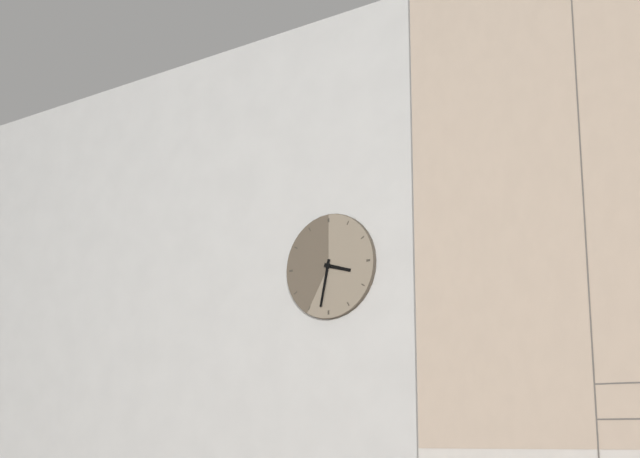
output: 3.32
